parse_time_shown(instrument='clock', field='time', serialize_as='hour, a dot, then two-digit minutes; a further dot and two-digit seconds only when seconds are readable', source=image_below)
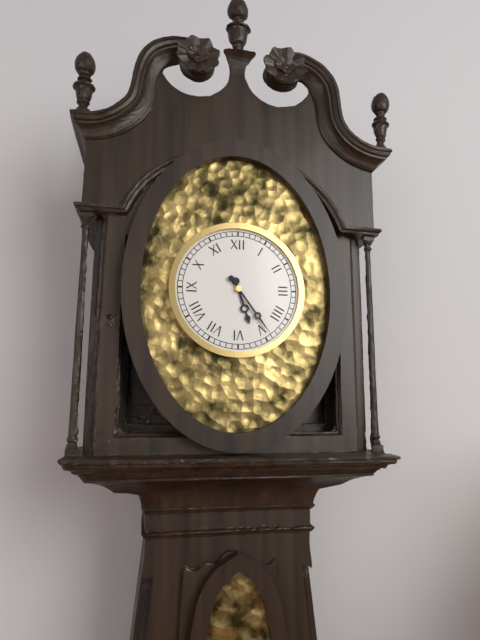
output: 5.24
